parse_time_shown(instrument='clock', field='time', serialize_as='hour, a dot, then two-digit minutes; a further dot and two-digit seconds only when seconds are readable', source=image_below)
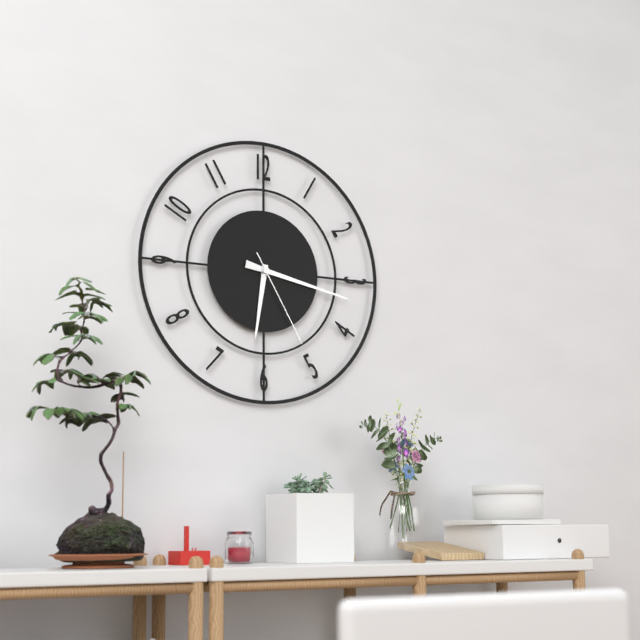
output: 6.17.25
